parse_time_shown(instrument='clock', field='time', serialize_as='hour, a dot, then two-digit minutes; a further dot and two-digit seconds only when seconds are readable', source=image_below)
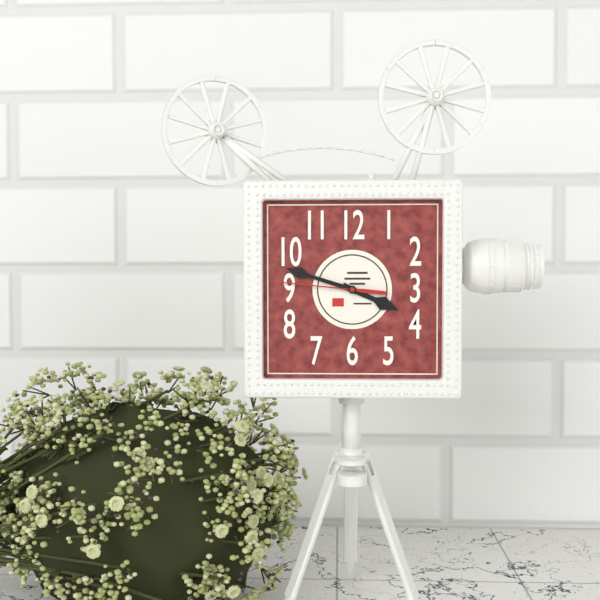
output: 3.48.46
